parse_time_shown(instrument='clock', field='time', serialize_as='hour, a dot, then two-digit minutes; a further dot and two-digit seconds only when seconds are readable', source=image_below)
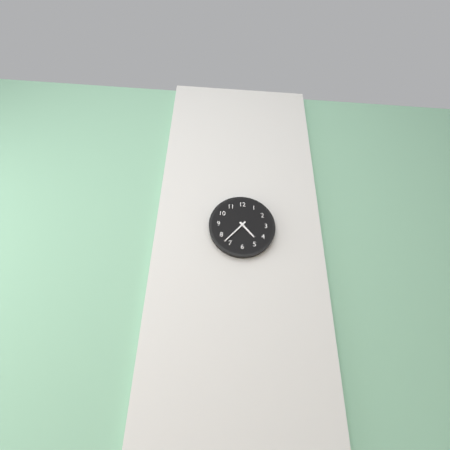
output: 4.37
